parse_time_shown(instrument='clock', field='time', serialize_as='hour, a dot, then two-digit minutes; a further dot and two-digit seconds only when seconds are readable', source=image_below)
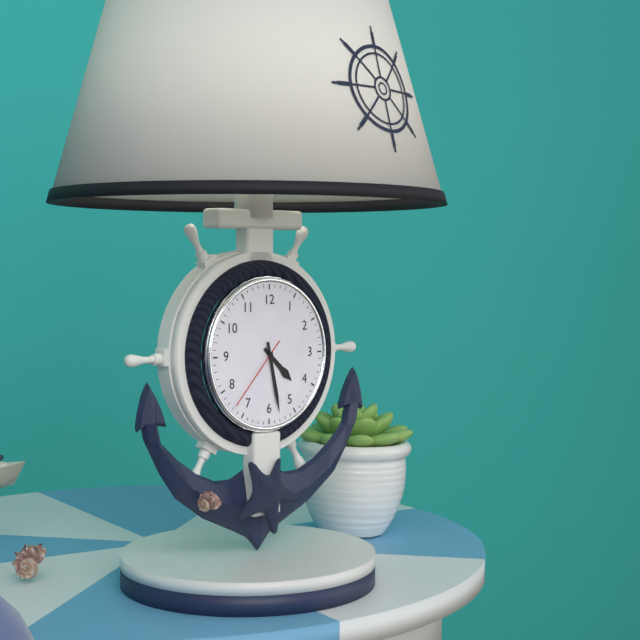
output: 4.28.37
